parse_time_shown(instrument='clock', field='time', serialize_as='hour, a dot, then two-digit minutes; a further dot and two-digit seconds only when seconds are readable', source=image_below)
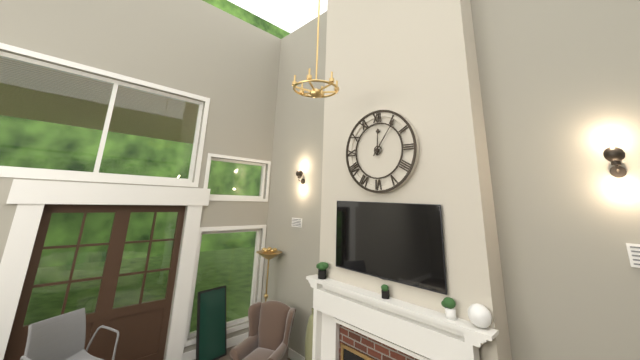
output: 12.06
